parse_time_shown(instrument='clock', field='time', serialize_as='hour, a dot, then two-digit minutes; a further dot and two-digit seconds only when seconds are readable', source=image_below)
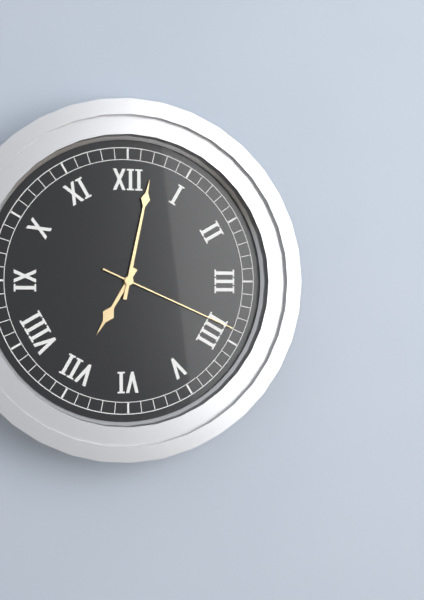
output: 7.02.19
